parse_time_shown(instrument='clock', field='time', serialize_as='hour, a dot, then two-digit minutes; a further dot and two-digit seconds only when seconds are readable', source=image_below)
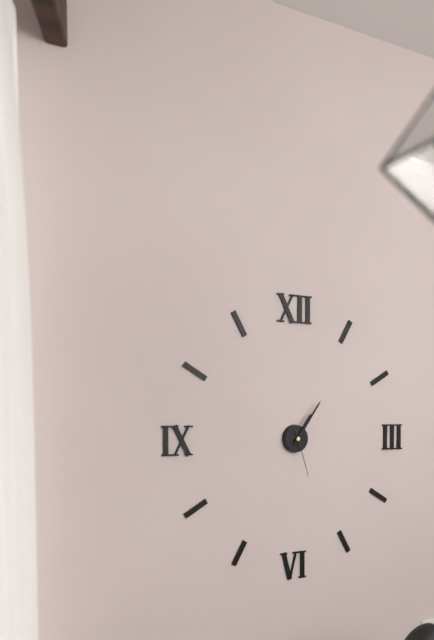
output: 1.06.27
